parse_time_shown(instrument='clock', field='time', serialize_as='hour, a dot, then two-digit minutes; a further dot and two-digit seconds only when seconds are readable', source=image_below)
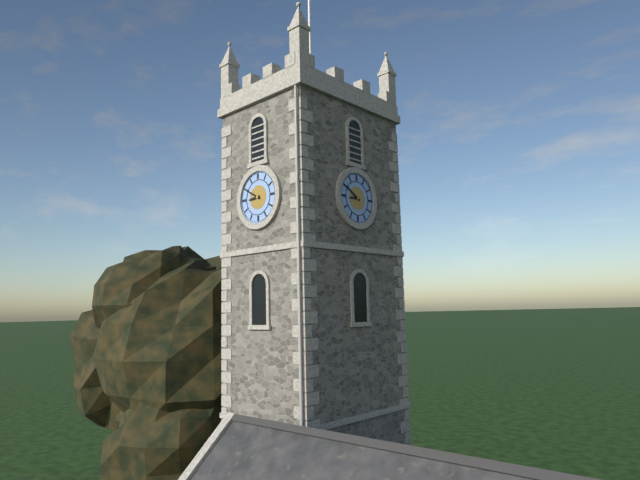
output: 8.50
